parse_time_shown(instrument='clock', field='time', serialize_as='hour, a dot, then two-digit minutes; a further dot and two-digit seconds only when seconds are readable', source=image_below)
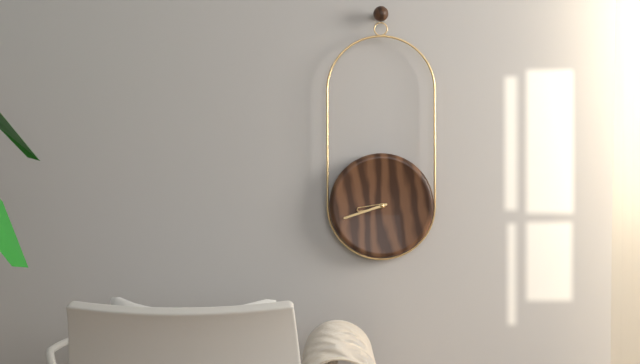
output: 8.42
